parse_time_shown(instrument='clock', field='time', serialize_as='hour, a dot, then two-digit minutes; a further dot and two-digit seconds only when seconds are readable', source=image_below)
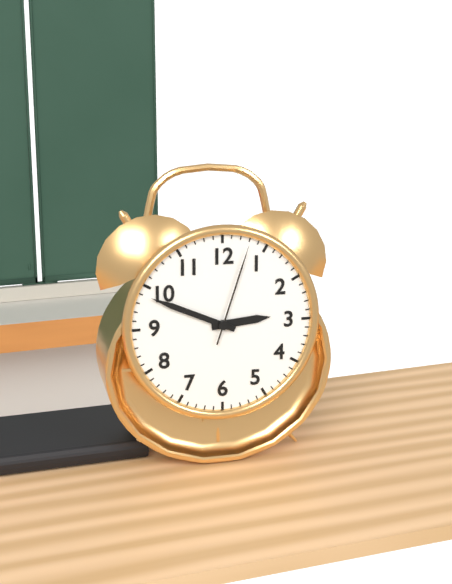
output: 2.49.03
